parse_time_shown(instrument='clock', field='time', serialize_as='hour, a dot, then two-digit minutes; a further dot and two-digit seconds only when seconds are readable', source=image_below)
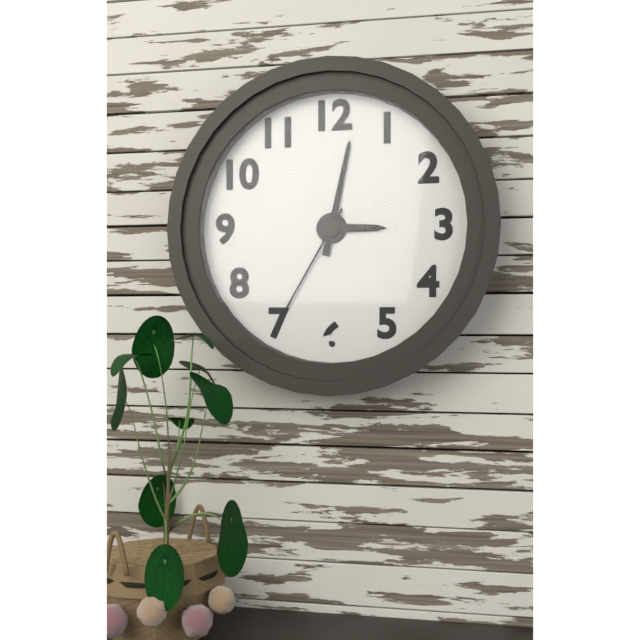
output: 3.02.35
